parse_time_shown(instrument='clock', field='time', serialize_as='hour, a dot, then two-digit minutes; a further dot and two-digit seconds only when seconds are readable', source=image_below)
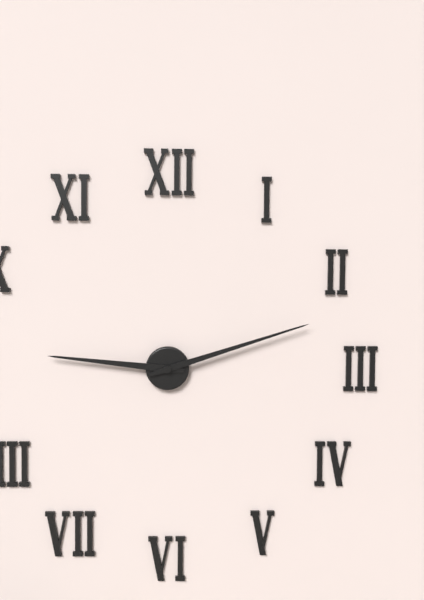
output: 9.12
